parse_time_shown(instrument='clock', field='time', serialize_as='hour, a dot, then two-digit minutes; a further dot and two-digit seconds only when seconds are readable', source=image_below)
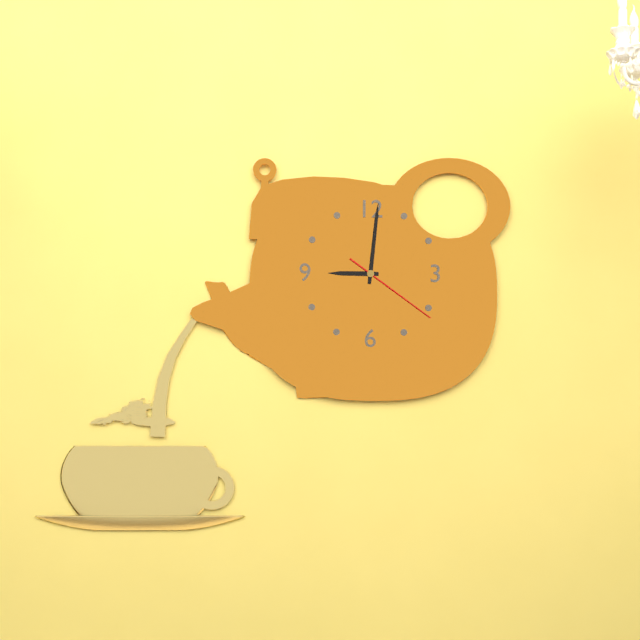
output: 9.01.21
